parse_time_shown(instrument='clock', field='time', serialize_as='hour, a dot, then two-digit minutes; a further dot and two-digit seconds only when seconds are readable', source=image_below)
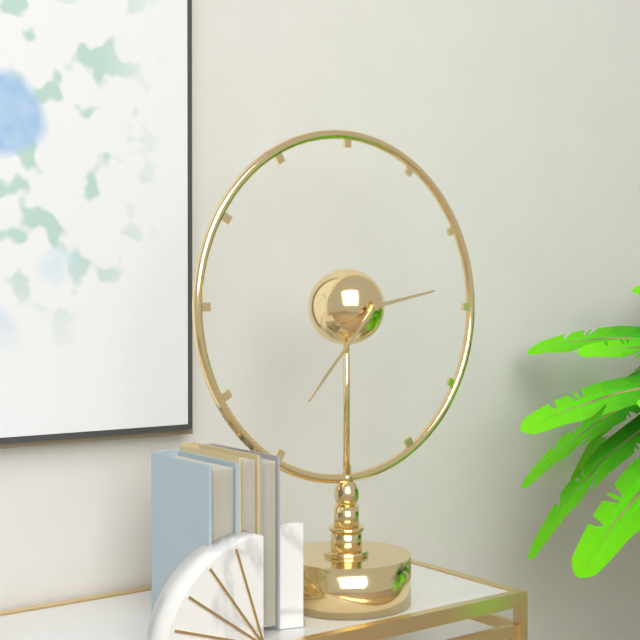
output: 2.37
